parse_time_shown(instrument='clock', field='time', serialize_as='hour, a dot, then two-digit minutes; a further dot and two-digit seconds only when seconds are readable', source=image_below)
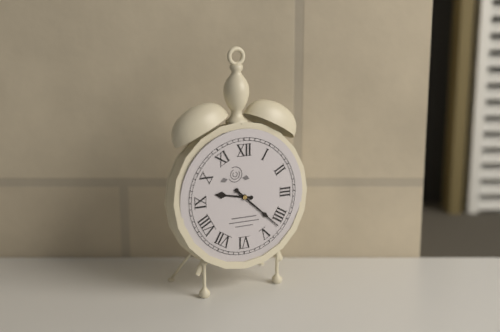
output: 9.22
